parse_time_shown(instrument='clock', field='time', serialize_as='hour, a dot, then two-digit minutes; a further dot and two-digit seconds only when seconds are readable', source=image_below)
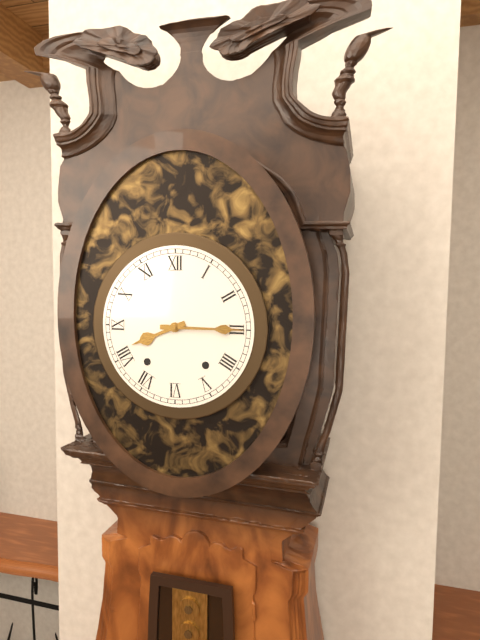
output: 8.15
